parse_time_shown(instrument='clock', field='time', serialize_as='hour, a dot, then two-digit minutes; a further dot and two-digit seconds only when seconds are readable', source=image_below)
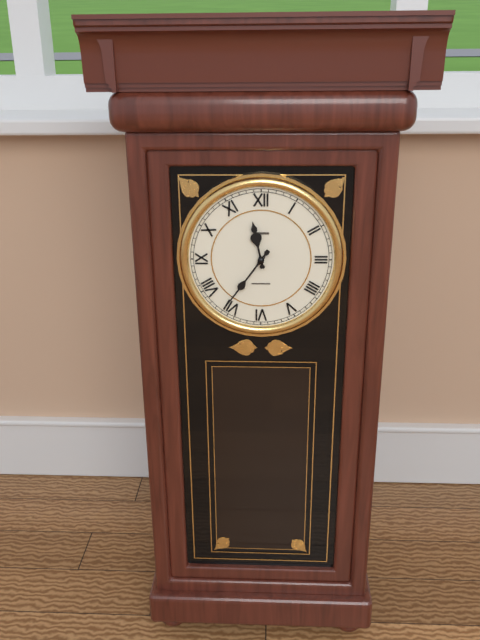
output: 11.36
